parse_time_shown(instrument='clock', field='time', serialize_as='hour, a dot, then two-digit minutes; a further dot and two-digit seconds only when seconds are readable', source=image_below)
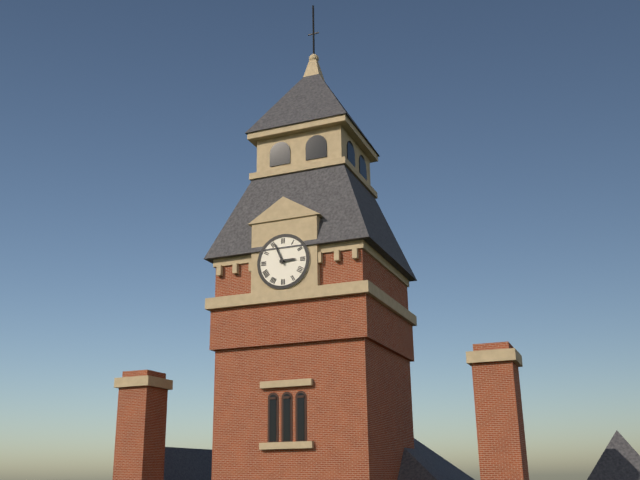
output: 2.56
